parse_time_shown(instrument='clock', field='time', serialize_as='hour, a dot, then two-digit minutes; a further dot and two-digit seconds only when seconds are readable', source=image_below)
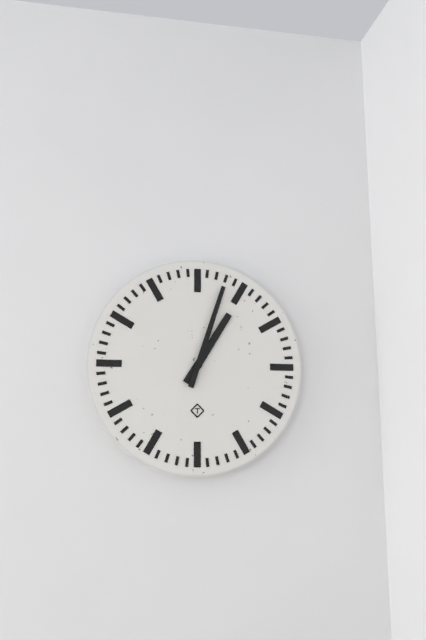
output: 1.03
